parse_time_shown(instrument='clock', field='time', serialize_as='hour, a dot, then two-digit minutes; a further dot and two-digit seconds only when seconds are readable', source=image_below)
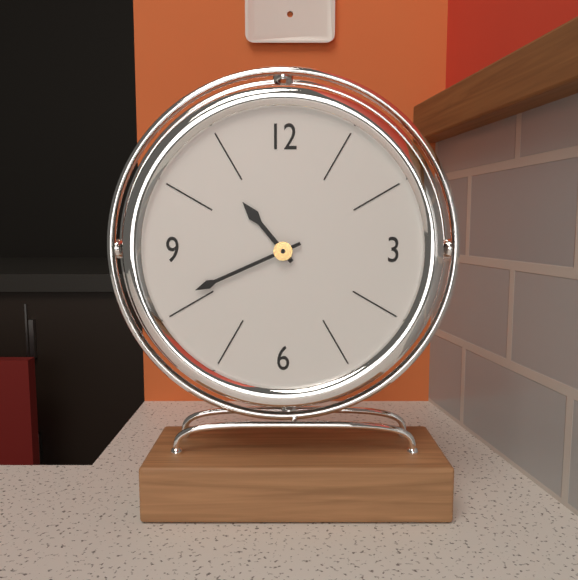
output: 10.41
